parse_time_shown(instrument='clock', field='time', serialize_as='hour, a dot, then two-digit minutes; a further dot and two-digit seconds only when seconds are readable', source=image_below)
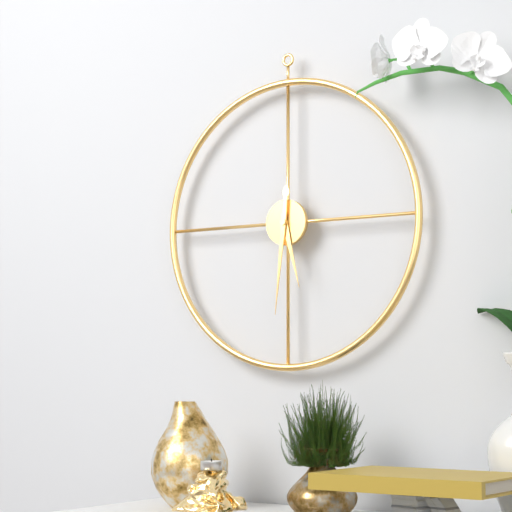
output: 5.31
